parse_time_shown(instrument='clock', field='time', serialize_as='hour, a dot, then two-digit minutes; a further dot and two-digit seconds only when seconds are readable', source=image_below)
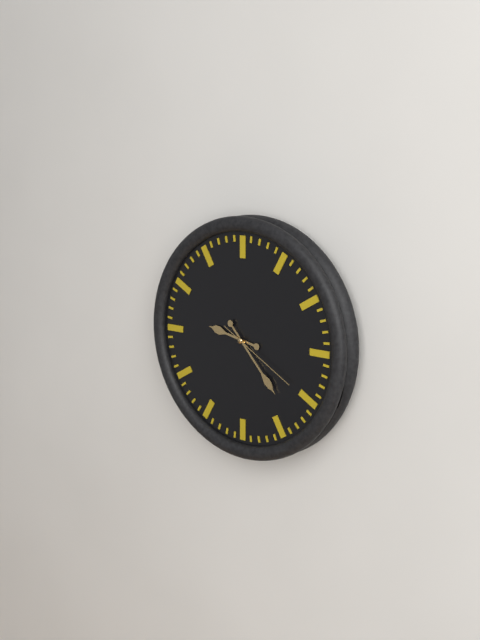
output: 9.23.20
